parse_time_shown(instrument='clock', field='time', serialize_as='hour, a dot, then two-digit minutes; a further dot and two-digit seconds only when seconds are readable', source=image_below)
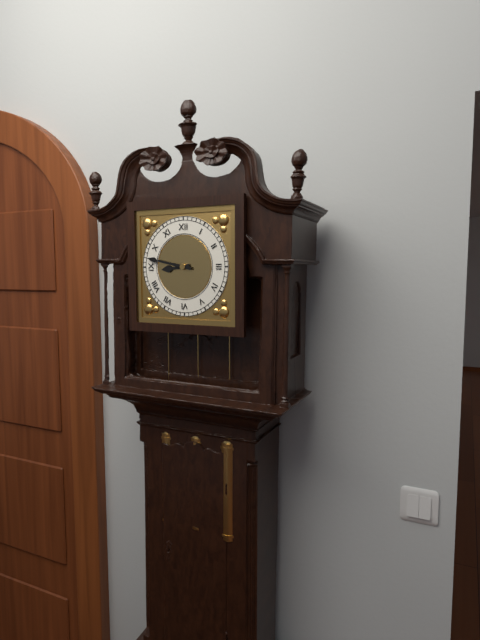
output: 8.47
